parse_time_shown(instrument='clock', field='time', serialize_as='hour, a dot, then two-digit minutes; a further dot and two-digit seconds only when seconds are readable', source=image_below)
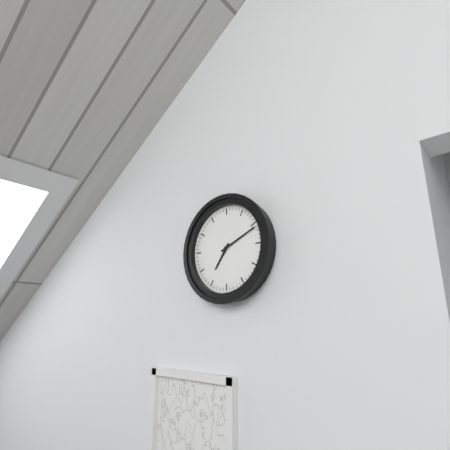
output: 7.11
